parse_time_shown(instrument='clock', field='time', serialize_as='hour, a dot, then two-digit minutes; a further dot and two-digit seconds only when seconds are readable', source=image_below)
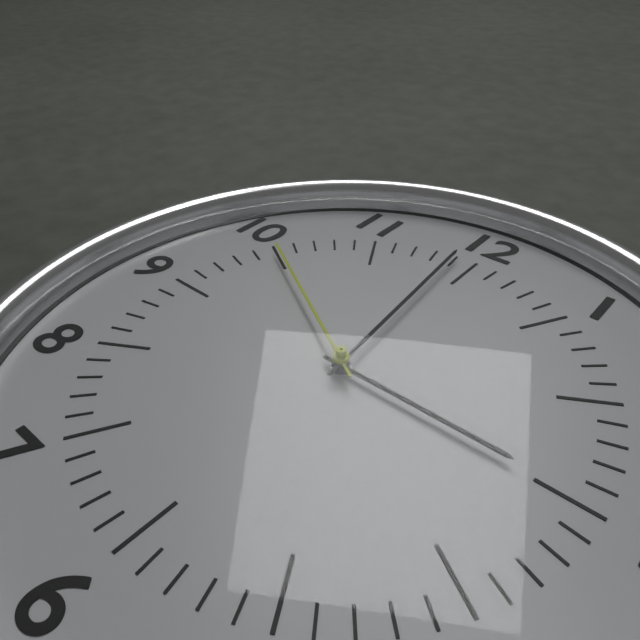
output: 2.59.50
